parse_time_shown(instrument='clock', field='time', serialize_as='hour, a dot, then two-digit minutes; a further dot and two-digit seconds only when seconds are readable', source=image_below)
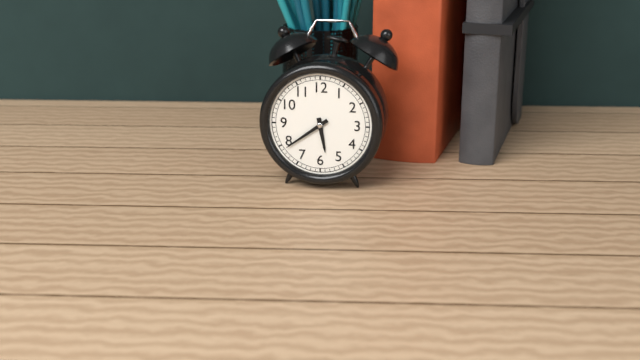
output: 5.39
